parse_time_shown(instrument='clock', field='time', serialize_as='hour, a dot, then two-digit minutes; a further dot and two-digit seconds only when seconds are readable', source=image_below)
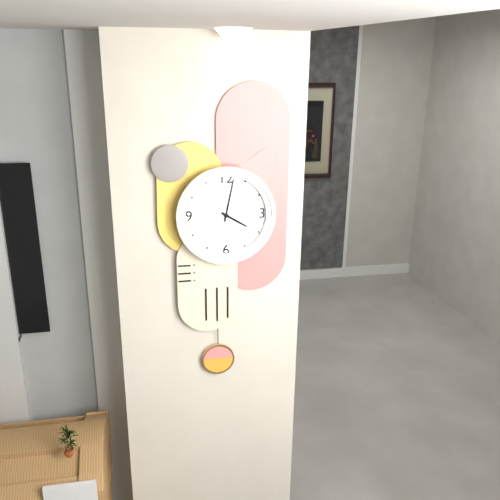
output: 4.02
